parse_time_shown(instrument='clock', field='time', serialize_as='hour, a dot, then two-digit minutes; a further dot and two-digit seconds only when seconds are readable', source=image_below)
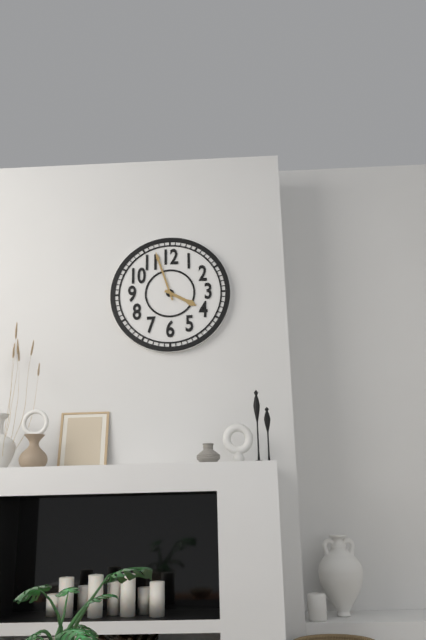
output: 3.57
